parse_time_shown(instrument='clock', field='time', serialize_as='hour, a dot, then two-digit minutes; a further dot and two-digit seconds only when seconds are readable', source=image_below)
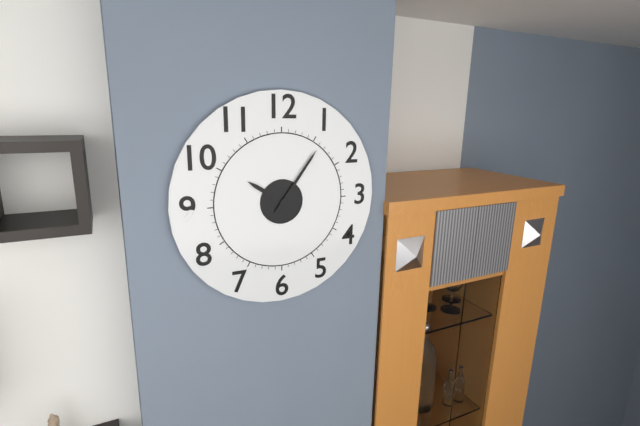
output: 10.06
